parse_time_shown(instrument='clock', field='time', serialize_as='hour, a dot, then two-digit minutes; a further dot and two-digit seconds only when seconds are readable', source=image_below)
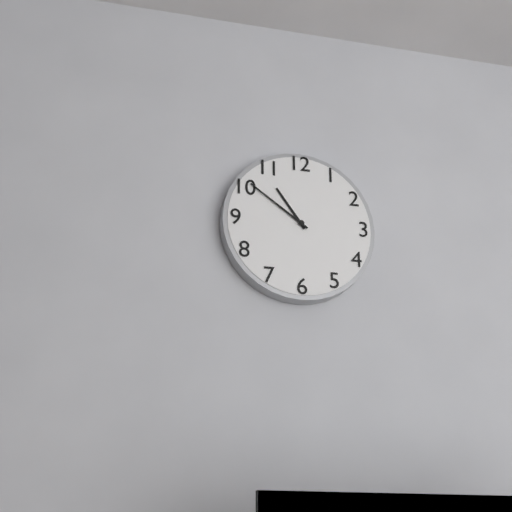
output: 10.51
